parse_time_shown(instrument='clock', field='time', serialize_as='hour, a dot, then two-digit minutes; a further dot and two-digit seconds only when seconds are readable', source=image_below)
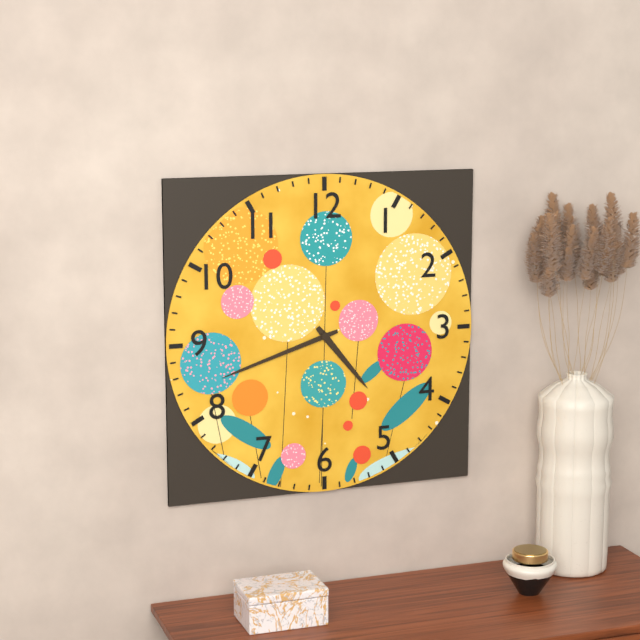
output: 4.42
